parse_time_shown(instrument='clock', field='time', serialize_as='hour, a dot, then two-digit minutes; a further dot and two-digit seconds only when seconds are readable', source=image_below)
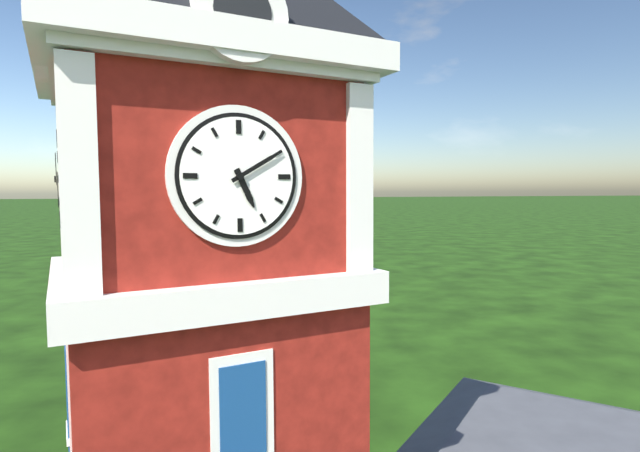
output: 5.10
